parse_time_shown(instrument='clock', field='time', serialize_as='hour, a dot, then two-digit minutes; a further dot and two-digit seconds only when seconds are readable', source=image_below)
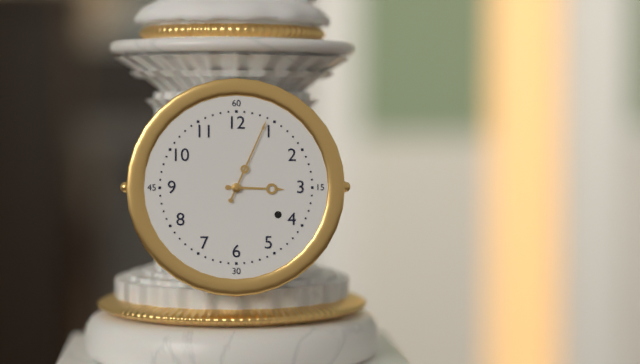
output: 3.04
